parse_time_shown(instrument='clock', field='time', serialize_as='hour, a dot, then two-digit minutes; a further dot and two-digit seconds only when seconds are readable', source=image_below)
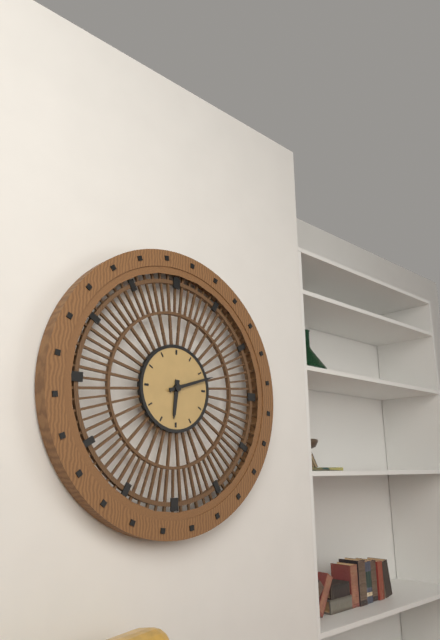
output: 6.12
